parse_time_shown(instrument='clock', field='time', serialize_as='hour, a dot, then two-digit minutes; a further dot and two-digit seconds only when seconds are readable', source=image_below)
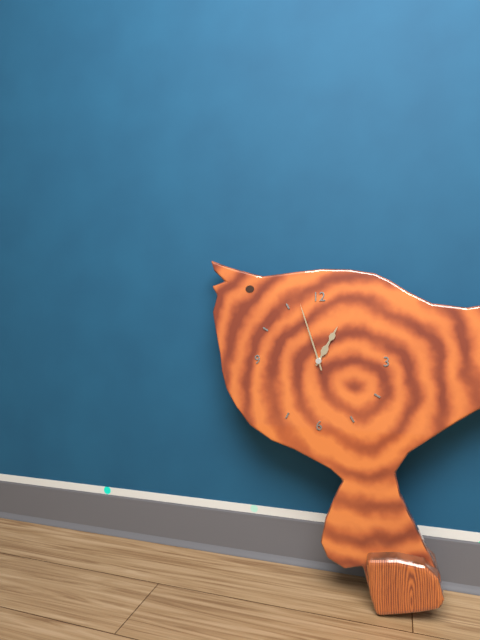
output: 12.57
